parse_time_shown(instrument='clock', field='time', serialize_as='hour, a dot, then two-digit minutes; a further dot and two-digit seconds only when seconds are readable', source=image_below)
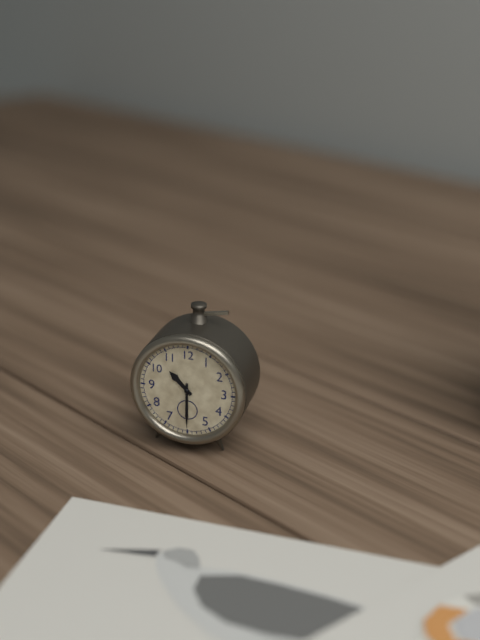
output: 10.30
